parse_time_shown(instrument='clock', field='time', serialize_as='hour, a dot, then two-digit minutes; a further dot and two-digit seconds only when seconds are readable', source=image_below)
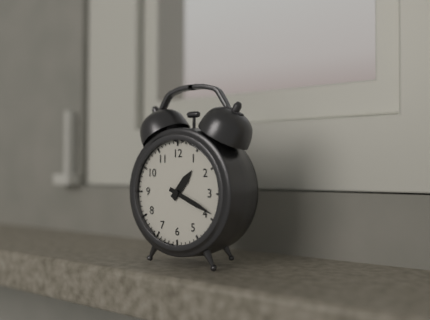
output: 1.19
